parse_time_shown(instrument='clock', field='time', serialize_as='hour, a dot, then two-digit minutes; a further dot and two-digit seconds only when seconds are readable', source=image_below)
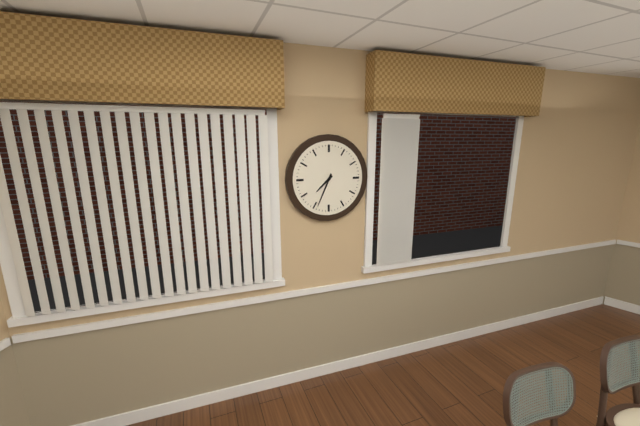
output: 7.34
